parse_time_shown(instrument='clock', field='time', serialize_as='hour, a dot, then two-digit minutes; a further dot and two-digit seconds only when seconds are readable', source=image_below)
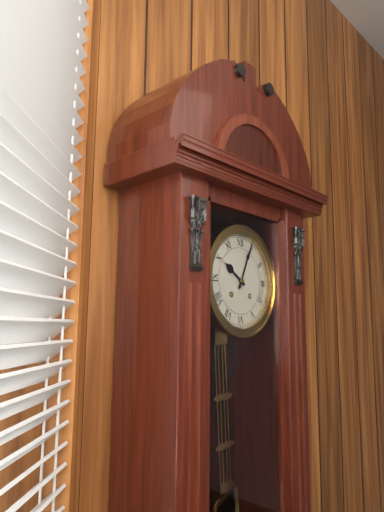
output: 10.04
